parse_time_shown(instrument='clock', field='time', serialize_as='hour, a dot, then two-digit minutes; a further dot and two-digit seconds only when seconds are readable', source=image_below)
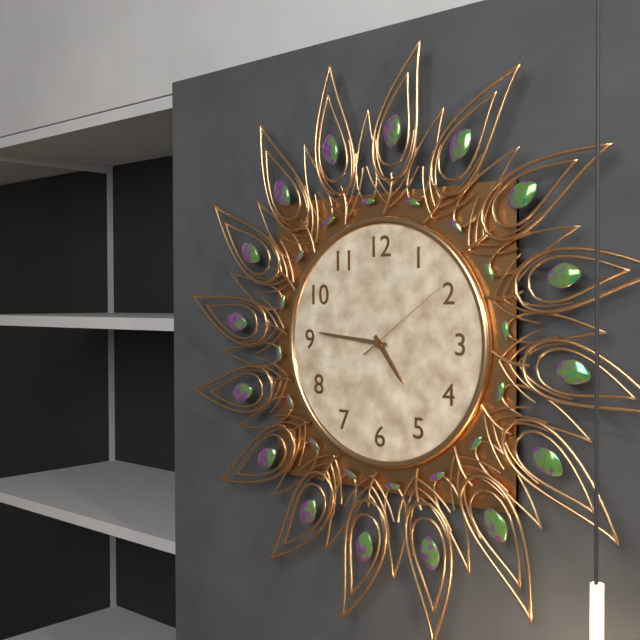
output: 4.46.09
